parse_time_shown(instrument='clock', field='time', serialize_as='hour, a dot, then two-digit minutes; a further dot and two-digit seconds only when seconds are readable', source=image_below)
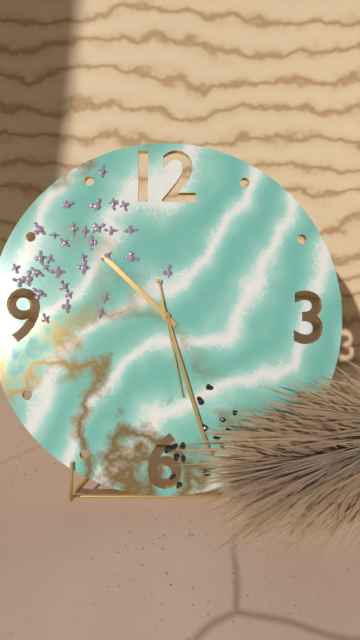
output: 10.27.28
